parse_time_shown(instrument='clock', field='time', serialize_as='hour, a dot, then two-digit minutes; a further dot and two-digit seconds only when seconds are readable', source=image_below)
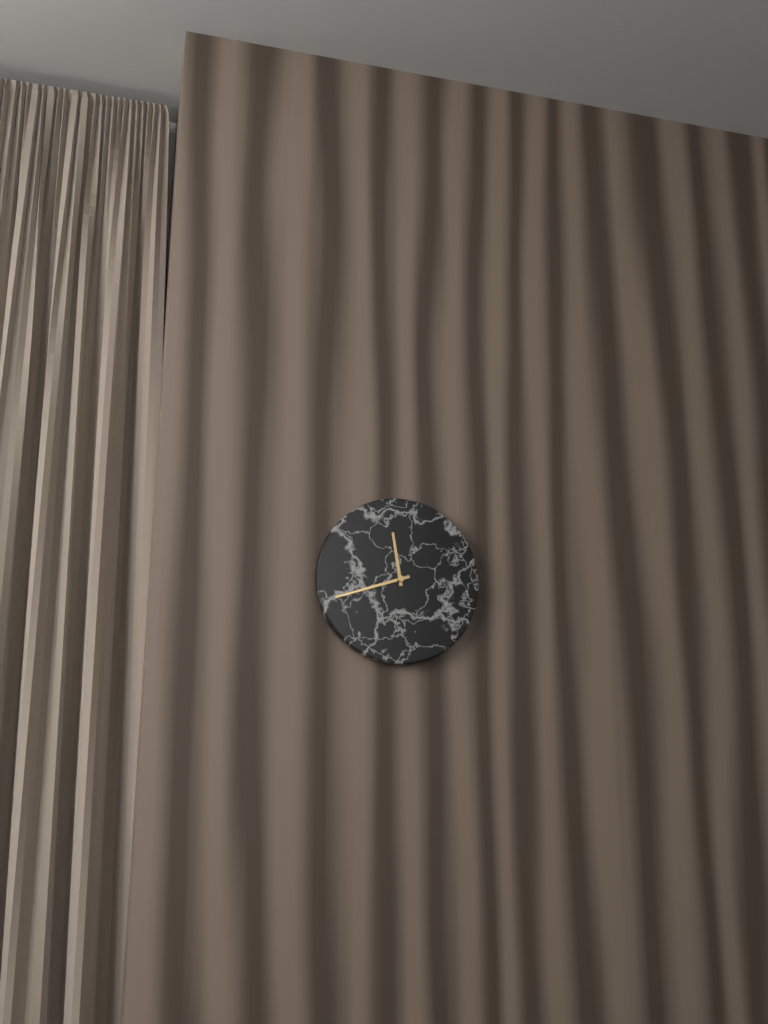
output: 11.42
